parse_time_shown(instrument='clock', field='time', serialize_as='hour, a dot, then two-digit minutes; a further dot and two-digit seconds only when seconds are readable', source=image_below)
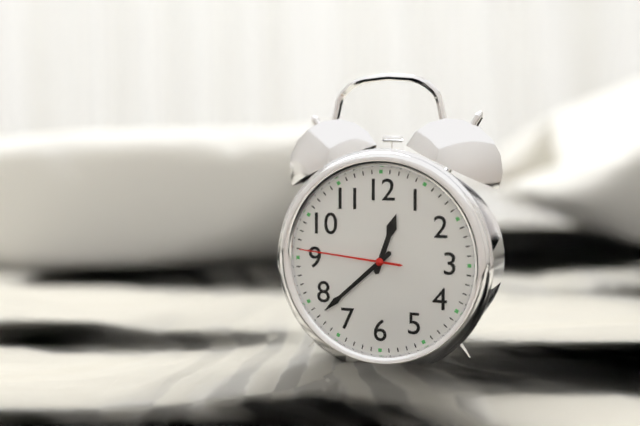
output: 12.38.46
